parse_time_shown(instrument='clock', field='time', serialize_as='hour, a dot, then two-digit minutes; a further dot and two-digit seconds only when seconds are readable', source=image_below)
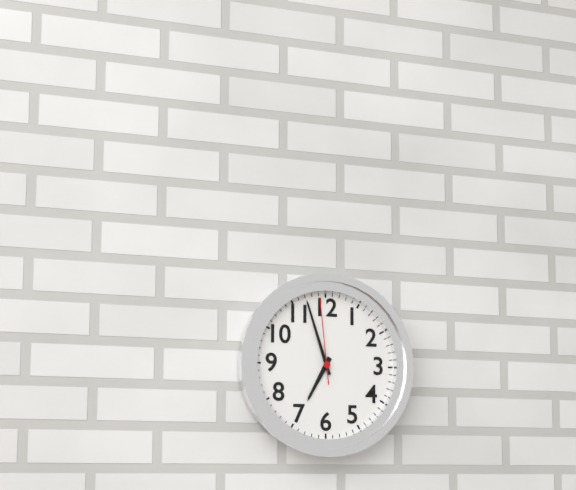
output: 6.57.59
